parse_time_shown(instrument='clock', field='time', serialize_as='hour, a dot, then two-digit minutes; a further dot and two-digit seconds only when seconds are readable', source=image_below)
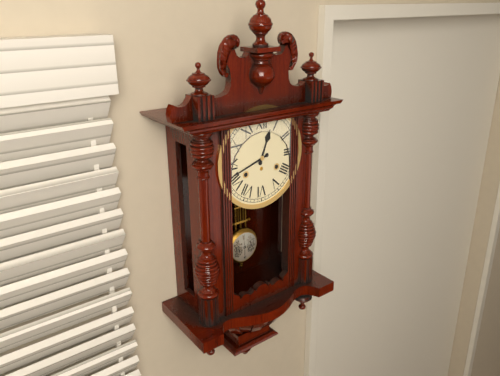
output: 12.42
